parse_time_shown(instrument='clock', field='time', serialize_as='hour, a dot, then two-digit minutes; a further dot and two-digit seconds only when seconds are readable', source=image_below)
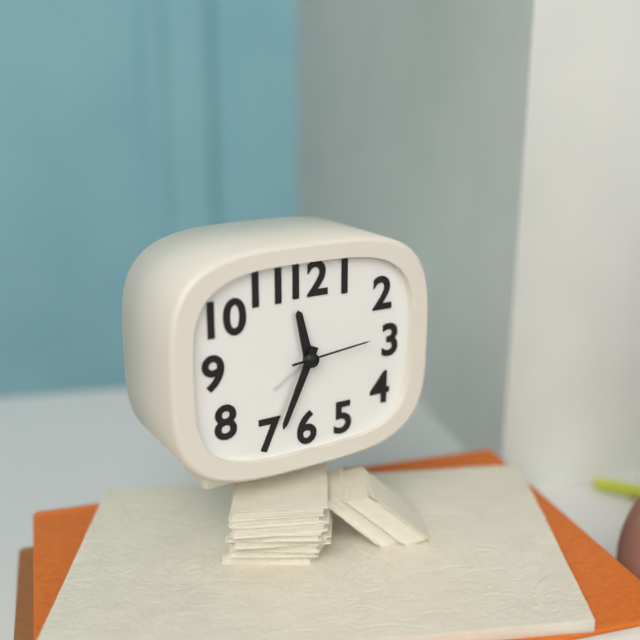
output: 11.34.14
